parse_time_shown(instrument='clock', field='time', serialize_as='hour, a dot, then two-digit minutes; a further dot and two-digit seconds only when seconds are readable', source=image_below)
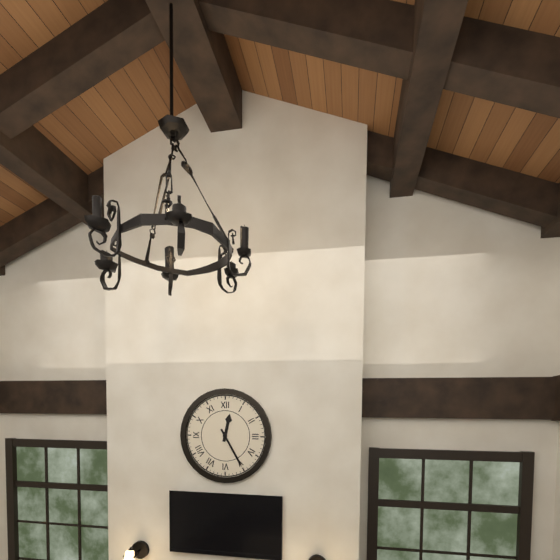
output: 12.25
